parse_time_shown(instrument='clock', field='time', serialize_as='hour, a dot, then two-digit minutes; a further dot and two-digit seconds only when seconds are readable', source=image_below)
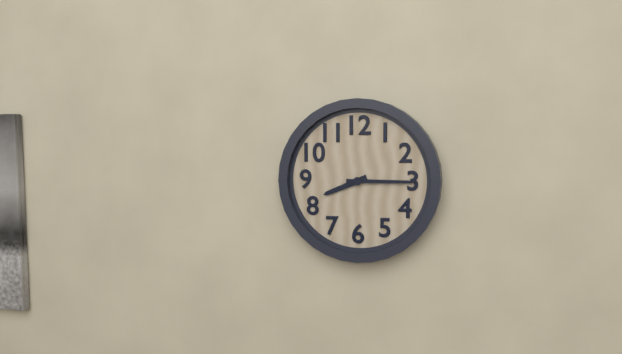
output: 8.15
